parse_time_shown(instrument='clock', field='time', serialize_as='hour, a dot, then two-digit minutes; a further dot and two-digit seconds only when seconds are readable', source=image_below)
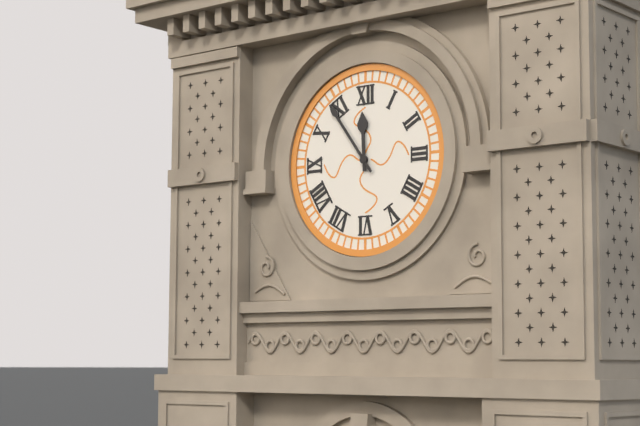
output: 11.54
